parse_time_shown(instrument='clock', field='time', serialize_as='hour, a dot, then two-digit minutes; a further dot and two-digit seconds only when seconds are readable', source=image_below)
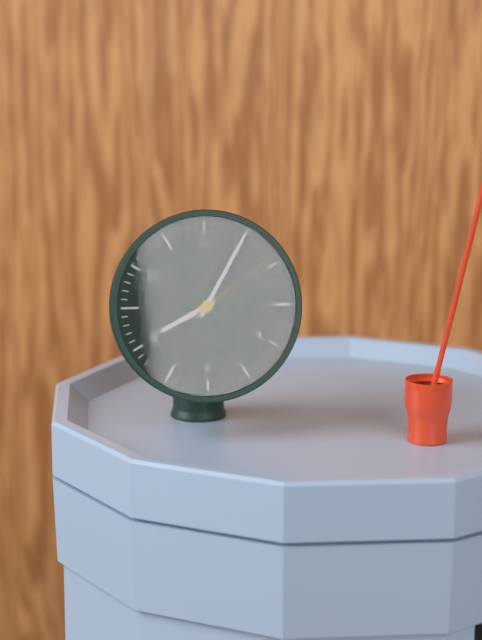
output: 8.05.09
